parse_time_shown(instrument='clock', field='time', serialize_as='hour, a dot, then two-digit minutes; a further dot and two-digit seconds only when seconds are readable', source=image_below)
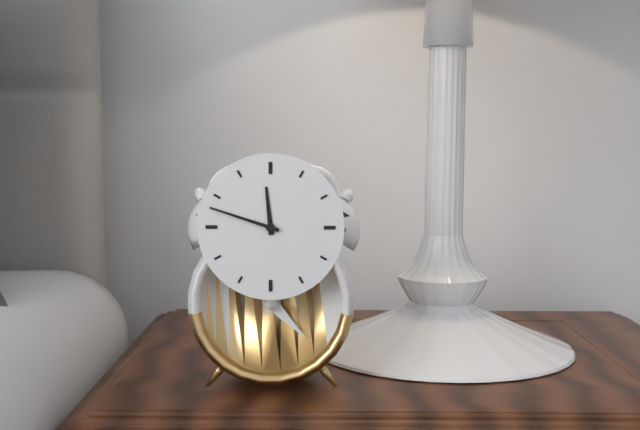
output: 11.48
